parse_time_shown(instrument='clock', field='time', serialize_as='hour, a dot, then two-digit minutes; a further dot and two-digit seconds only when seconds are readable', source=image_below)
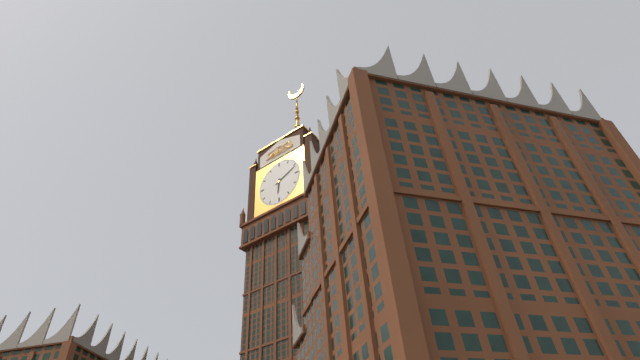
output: 6.11
